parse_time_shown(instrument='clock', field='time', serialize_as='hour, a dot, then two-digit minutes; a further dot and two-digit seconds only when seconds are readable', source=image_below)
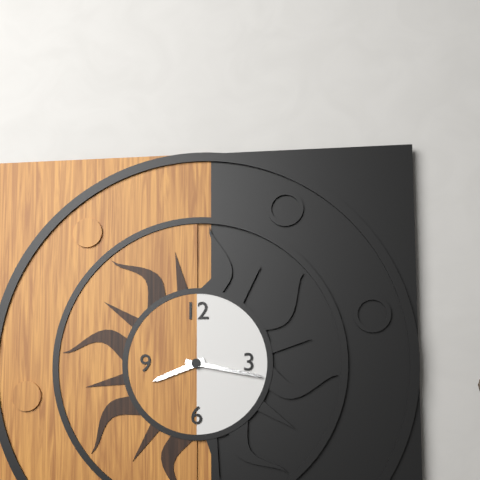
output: 8.17
